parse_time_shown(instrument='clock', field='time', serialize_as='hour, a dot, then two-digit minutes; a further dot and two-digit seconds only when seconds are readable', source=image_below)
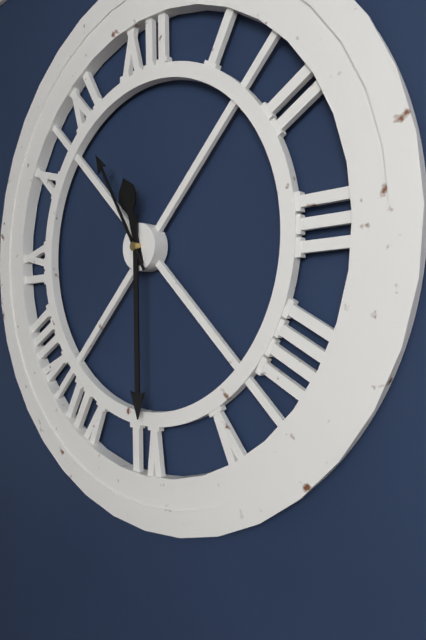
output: 11.30.55
